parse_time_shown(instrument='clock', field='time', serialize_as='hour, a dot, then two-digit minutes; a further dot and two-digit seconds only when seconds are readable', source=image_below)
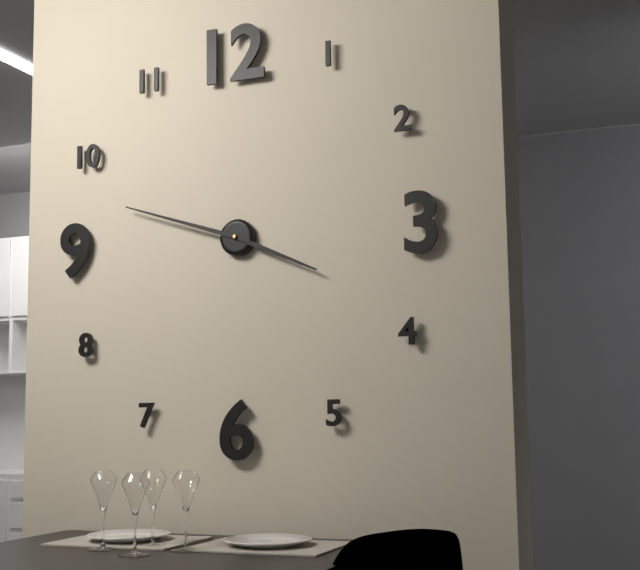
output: 3.48
